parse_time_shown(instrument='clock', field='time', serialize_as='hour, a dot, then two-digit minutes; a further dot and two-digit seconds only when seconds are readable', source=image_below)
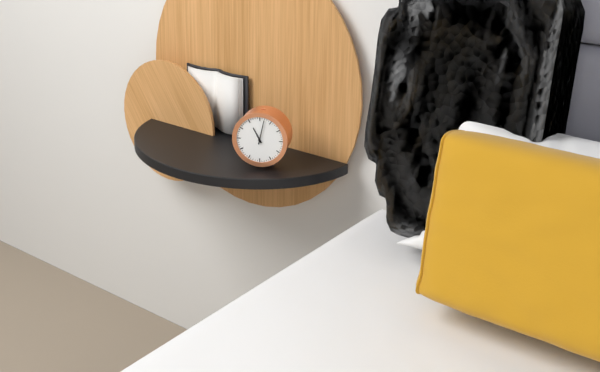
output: 11.02
